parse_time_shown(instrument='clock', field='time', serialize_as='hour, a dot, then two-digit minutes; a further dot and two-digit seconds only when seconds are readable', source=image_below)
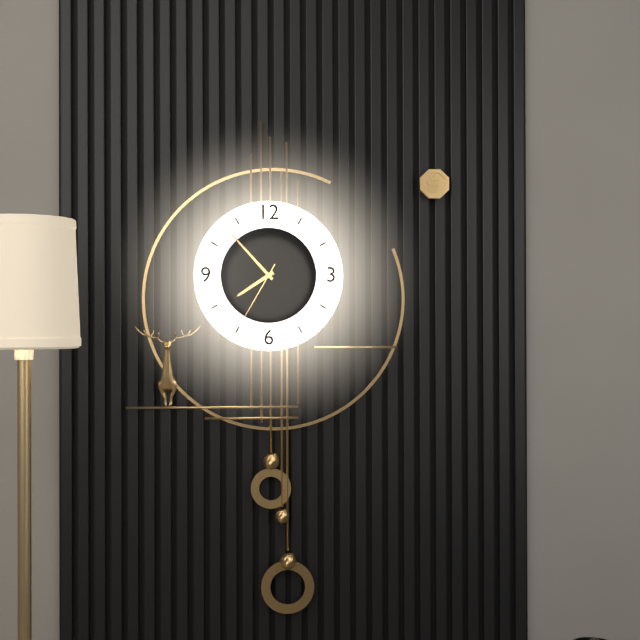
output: 7.53.35
